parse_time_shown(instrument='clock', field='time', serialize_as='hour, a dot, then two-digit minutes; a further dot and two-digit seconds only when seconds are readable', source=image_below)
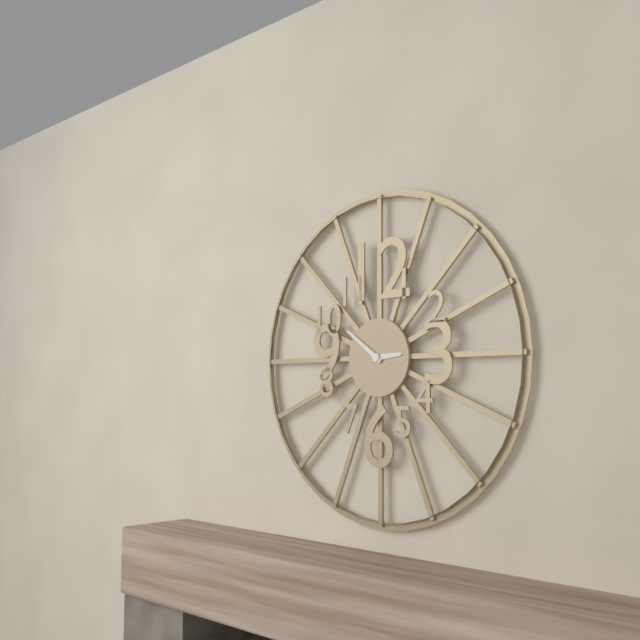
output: 2.51
